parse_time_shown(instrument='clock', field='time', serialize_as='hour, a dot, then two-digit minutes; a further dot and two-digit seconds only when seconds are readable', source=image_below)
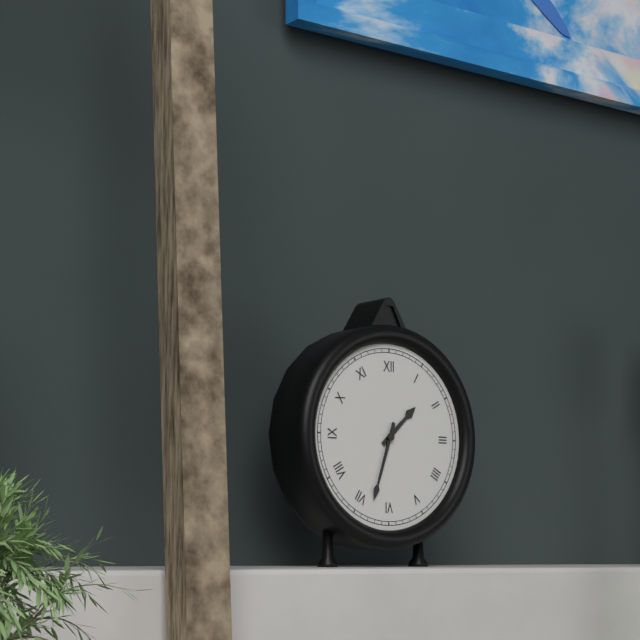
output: 1.33
